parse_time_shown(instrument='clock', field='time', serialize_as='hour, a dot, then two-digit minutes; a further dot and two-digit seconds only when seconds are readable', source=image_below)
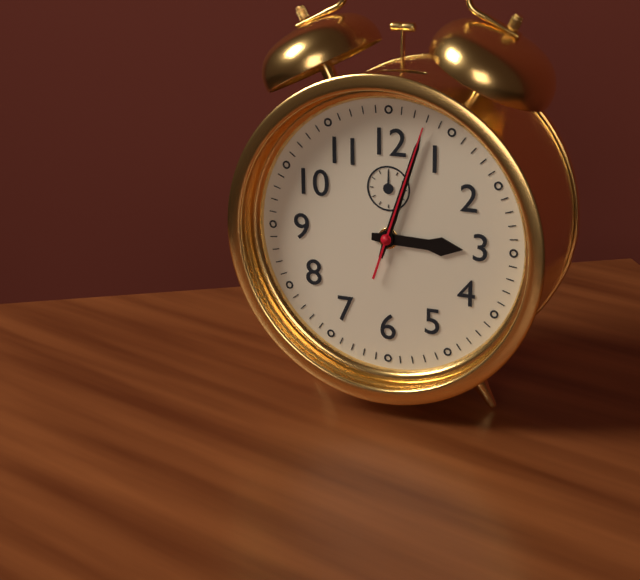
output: 3.03.03
